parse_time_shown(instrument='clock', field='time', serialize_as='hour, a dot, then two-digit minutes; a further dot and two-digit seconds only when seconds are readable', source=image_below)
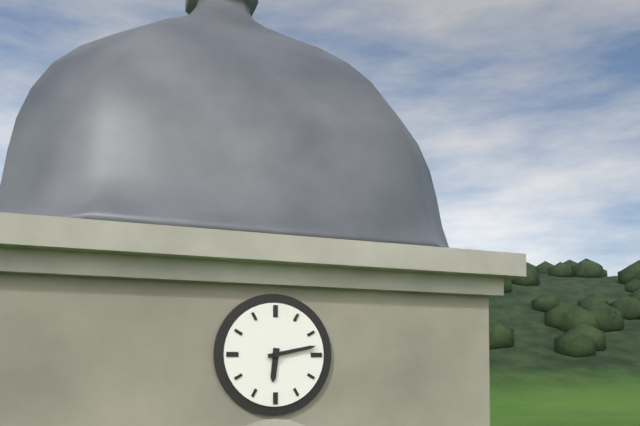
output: 6.13
